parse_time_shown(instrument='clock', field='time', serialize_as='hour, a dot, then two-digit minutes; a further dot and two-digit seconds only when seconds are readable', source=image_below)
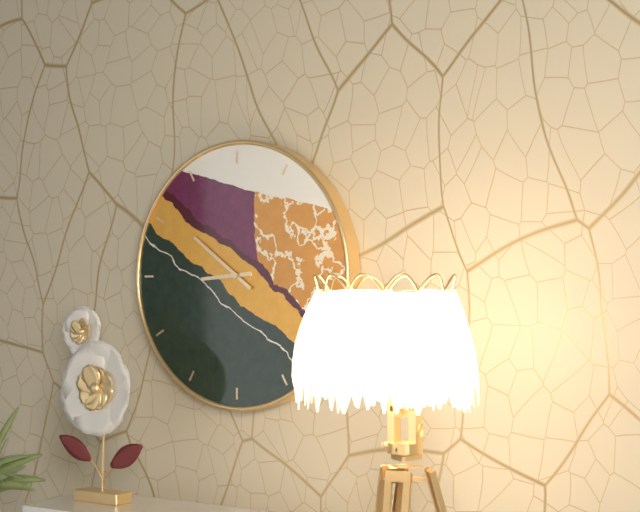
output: 8.51
